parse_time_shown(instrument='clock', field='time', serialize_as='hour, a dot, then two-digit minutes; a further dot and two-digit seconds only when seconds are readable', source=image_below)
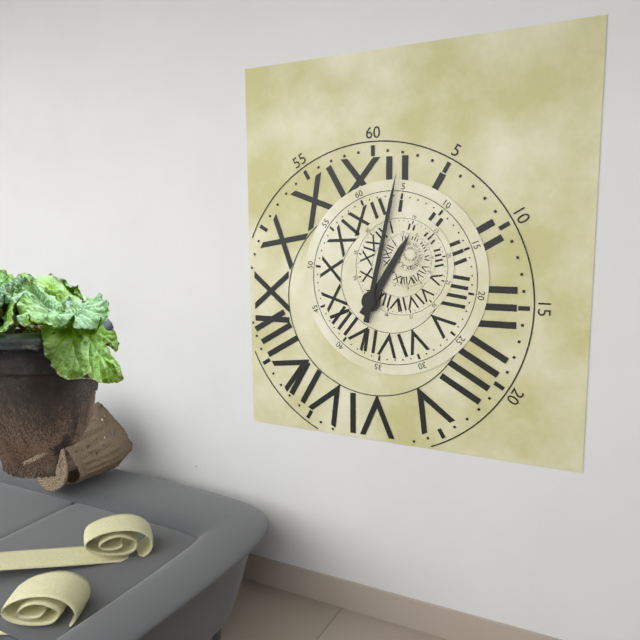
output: 1.02
